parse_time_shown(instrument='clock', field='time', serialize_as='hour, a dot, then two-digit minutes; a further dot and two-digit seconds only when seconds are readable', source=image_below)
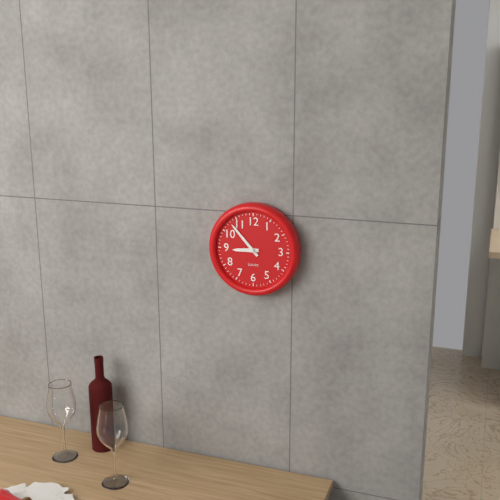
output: 8.53
